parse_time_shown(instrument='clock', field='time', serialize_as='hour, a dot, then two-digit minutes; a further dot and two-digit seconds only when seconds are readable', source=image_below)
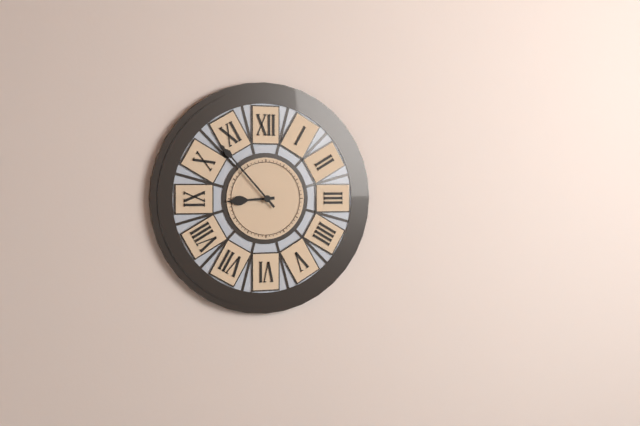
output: 8.53
